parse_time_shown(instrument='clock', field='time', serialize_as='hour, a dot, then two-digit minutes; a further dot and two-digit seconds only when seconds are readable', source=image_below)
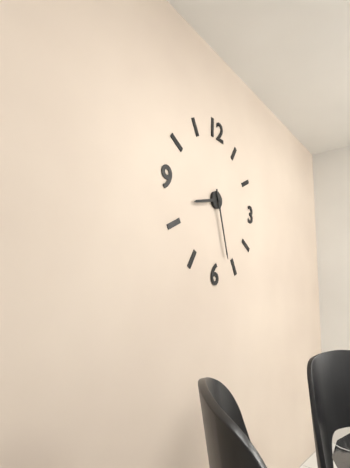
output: 8.27
